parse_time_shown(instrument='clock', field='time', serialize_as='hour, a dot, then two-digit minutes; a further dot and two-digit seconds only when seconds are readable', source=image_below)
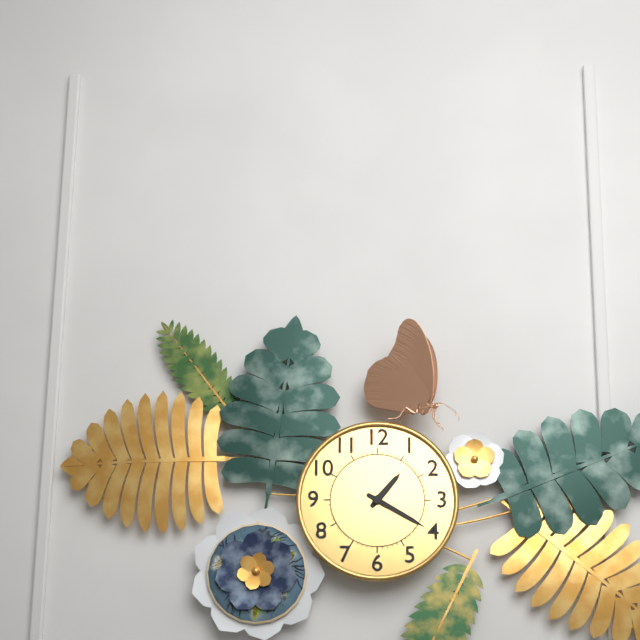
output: 1.20
